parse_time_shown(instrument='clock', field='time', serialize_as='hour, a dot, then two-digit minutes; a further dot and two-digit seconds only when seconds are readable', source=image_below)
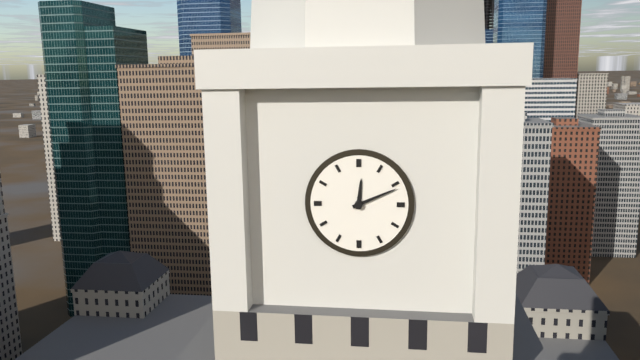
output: 12.11
